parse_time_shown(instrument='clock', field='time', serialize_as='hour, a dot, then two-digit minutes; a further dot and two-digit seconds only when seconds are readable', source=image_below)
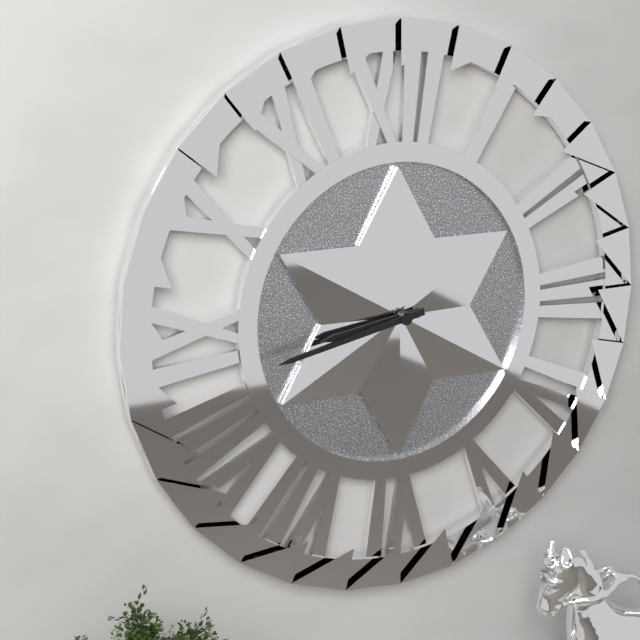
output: 8.43
